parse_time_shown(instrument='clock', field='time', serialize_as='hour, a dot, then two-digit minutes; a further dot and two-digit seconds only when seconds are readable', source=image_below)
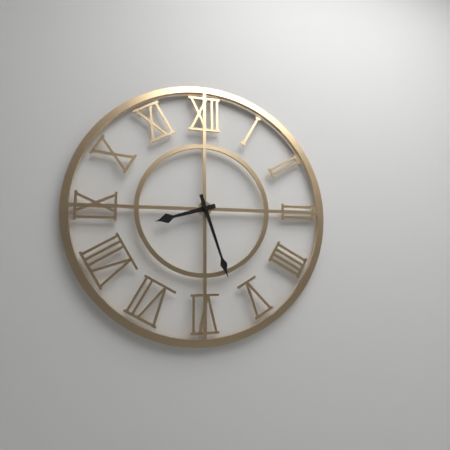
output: 8.27
